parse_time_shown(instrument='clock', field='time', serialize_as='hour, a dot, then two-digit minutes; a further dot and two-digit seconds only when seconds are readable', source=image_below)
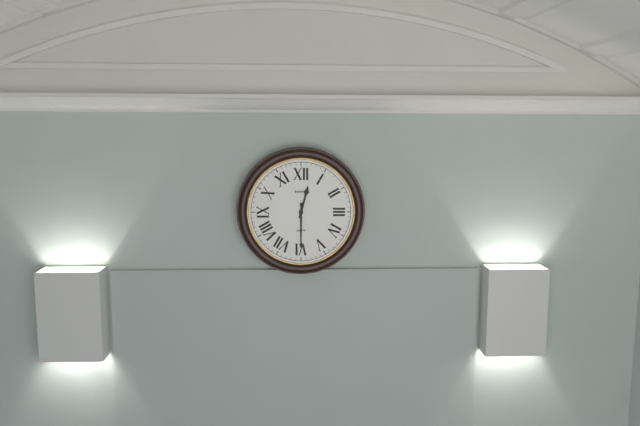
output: 12.30
